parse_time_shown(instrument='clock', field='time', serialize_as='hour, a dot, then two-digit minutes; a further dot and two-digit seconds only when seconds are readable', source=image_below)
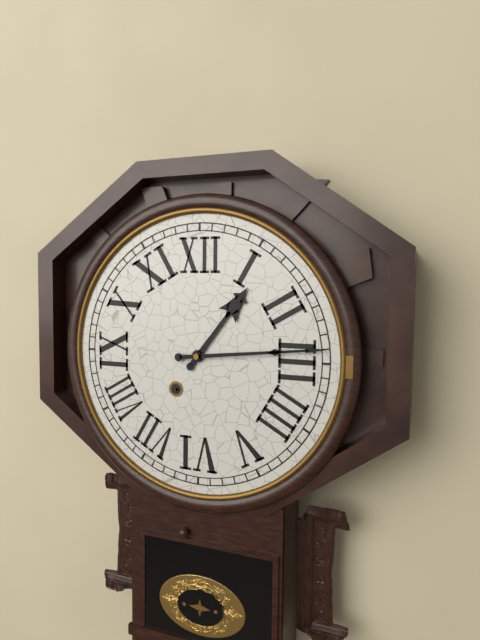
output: 1.14
